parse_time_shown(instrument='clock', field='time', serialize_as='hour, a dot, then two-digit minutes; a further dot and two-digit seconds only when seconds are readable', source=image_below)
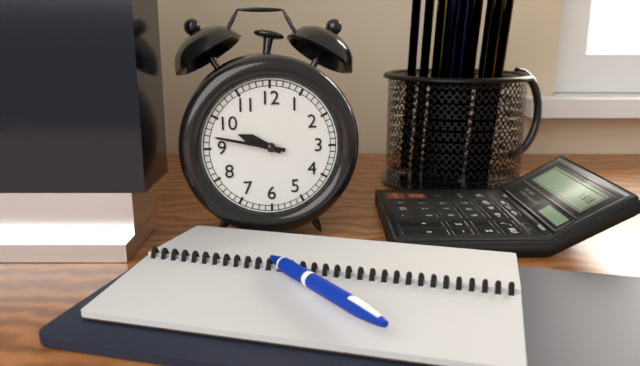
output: 9.47
